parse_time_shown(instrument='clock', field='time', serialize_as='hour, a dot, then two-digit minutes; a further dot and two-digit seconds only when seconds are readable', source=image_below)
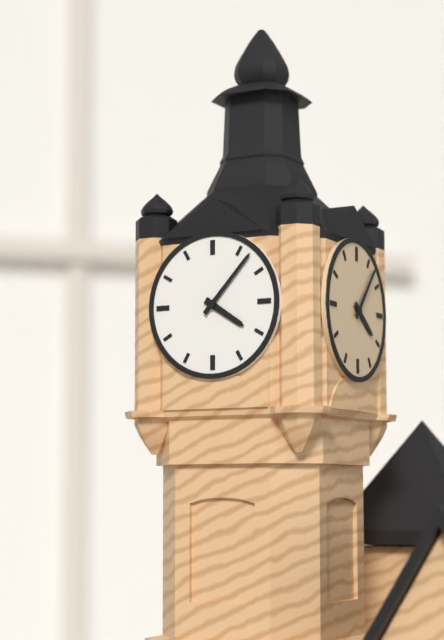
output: 4.07
